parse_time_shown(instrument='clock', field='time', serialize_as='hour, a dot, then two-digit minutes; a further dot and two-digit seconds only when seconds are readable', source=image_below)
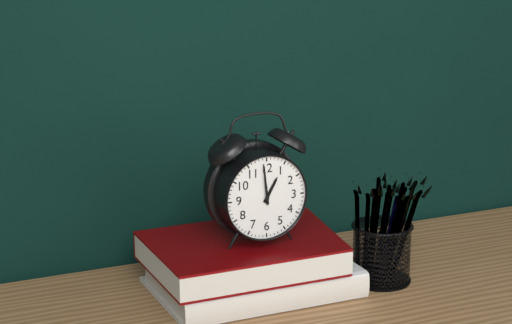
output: 12.59
